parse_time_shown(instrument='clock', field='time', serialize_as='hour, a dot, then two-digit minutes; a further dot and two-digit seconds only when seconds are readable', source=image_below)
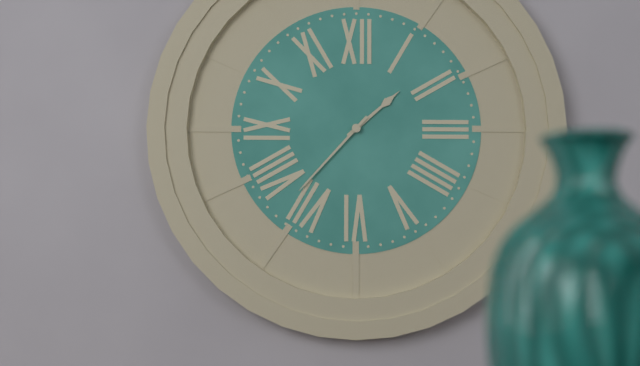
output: 1.37
